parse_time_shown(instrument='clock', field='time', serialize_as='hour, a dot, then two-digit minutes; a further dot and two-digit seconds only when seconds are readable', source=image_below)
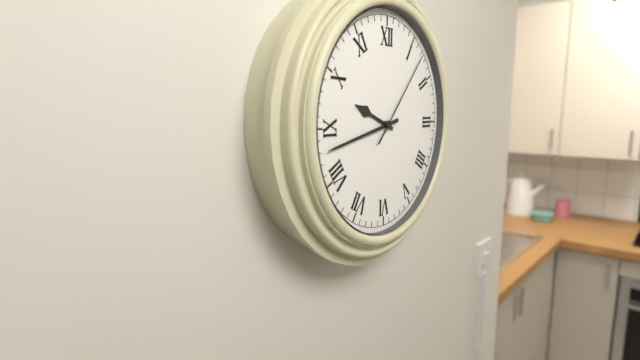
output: 9.43.07
